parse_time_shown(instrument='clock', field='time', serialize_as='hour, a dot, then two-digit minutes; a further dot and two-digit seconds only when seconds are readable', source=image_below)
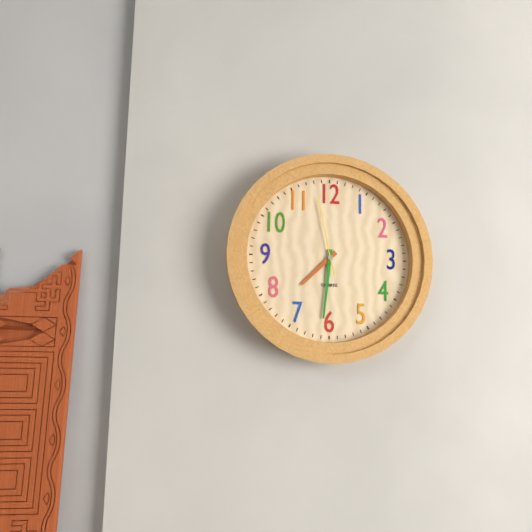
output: 7.31.58
